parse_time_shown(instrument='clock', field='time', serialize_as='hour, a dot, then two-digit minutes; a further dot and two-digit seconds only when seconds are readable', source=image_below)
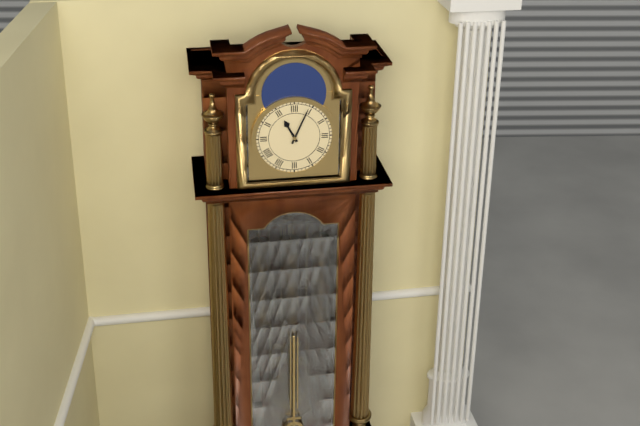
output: 11.04
